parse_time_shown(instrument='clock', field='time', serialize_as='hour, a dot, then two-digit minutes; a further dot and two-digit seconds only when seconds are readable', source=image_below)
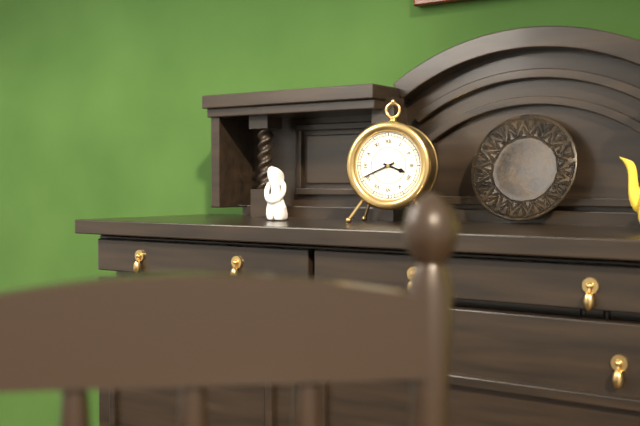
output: 3.41
